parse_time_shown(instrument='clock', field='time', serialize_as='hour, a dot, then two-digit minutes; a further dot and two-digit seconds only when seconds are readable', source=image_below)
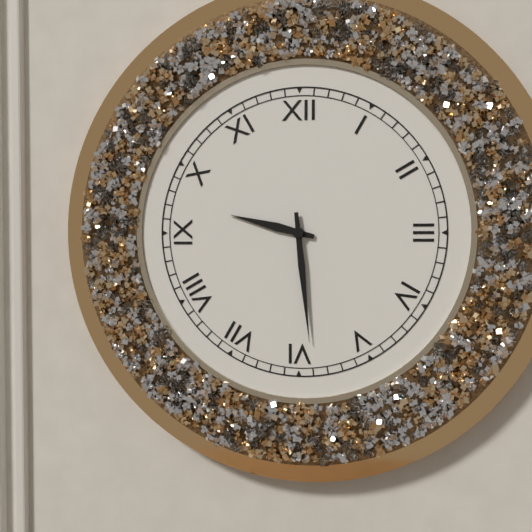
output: 9.29
